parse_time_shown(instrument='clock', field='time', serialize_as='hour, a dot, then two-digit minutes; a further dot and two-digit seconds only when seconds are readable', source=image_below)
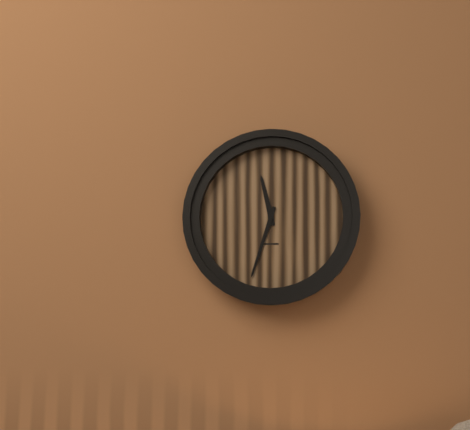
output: 11.33
